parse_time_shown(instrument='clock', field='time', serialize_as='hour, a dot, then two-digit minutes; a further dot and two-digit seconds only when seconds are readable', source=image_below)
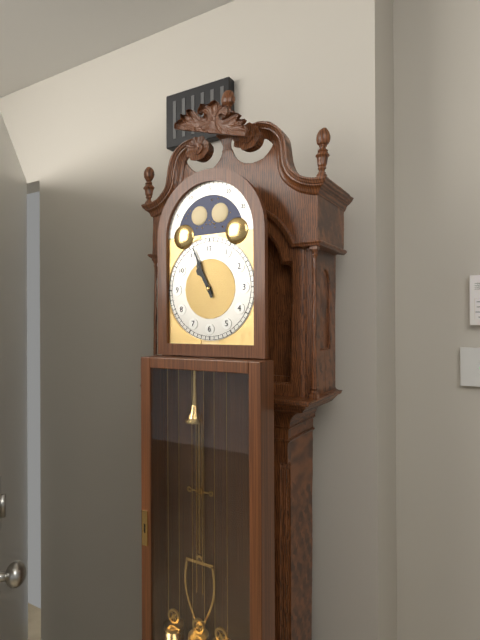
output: 10.56
